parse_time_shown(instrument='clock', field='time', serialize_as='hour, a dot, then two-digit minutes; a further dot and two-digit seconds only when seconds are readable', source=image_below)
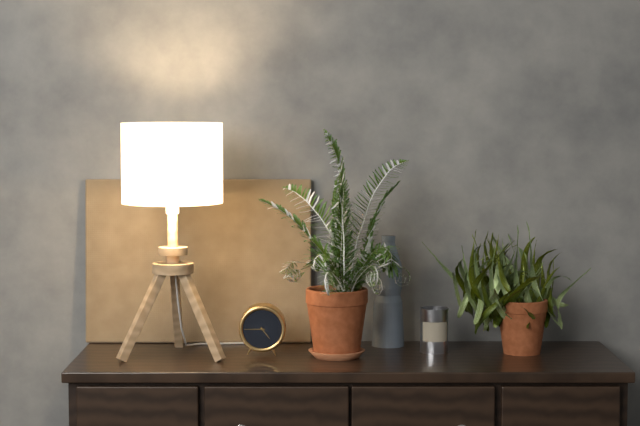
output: 4.45
